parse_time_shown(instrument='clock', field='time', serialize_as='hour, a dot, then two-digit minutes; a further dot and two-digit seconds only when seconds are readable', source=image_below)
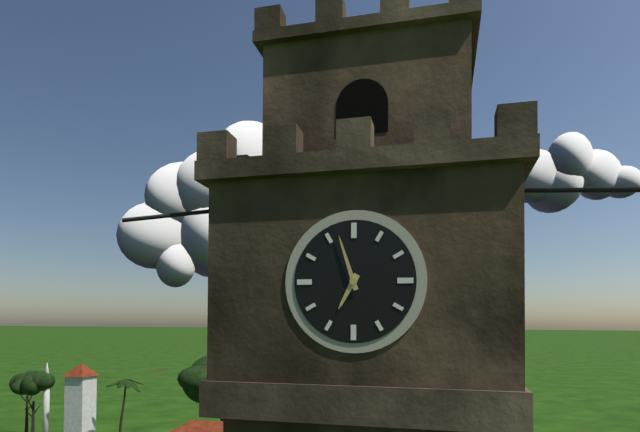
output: 6.57
